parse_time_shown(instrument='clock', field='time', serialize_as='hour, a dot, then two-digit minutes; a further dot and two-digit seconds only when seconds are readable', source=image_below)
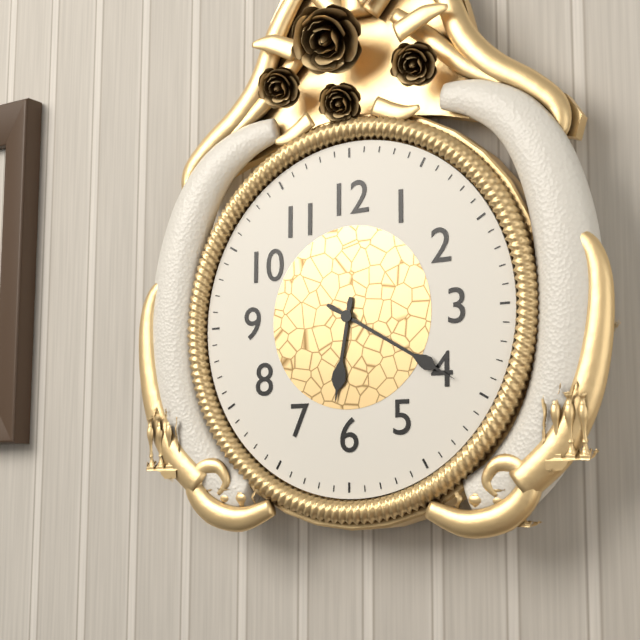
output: 6.20
